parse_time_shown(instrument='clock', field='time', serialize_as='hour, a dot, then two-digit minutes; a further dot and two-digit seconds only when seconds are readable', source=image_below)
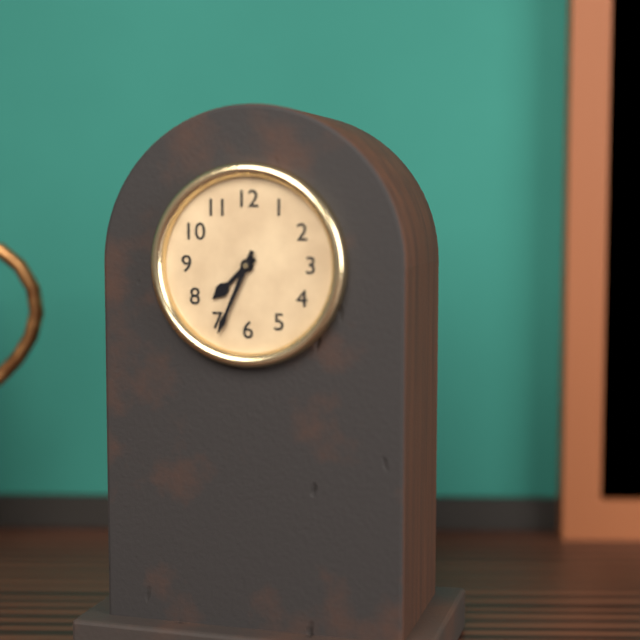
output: 7.34
